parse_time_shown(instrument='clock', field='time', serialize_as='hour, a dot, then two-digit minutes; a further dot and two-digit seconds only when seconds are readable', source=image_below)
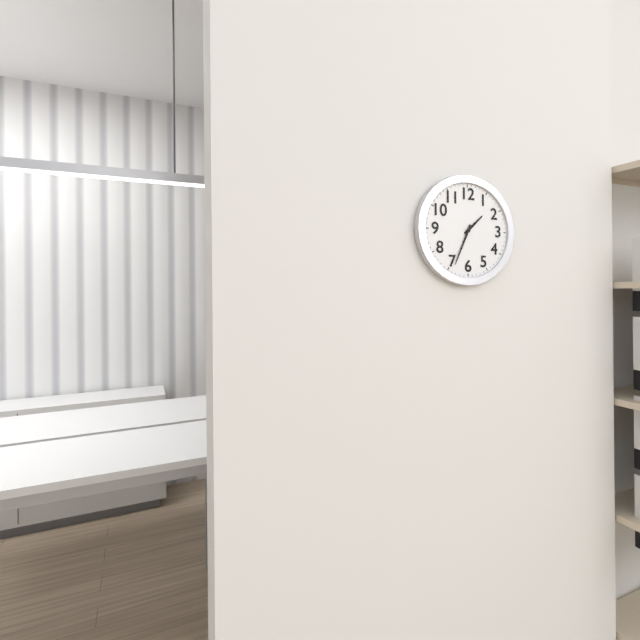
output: 1.34
